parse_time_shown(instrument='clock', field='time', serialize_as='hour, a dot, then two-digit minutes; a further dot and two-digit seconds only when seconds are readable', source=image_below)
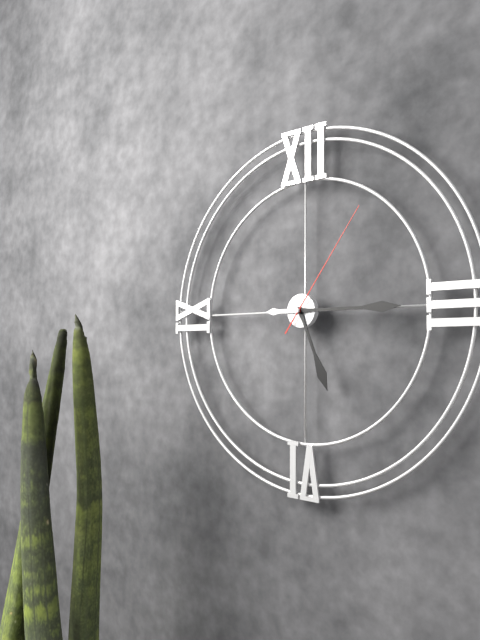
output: 5.15.06
